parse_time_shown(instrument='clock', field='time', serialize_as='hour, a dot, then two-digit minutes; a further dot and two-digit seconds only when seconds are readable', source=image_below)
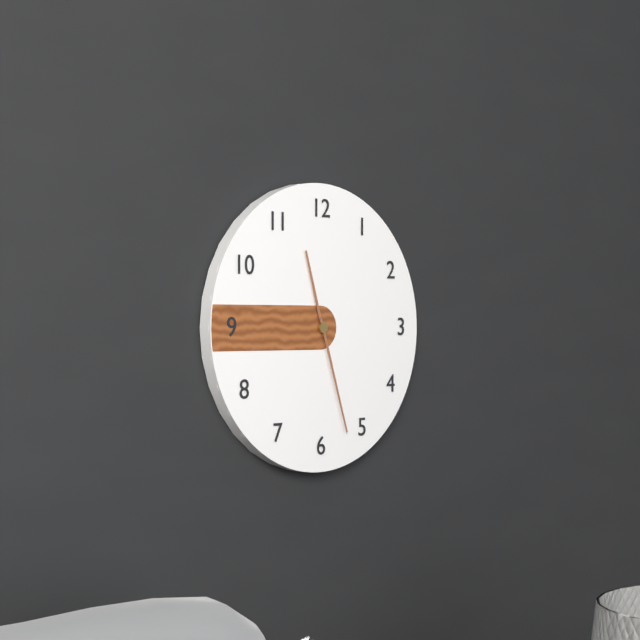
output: 11.27
